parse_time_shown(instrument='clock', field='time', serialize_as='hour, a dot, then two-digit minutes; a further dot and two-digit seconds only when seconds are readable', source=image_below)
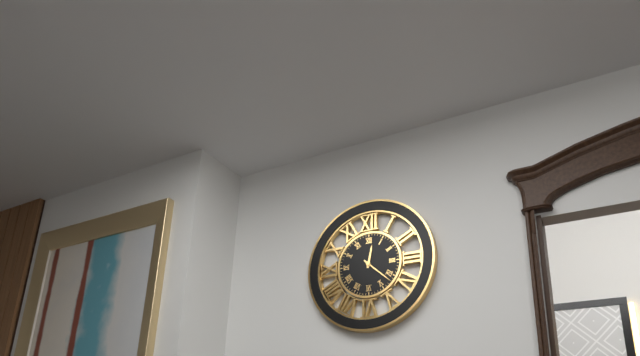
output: 12.22
